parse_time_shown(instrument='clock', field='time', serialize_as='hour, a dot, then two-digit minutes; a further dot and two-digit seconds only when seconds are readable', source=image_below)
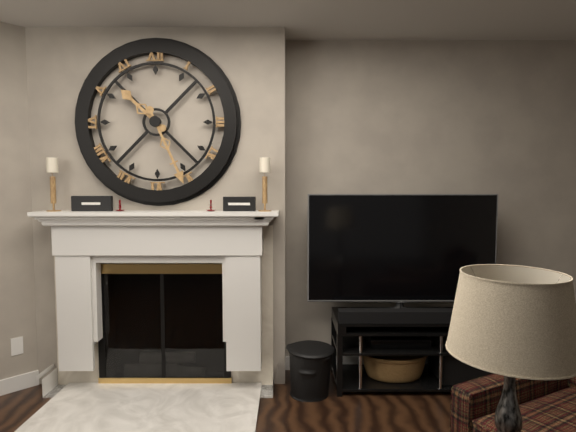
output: 10.26
